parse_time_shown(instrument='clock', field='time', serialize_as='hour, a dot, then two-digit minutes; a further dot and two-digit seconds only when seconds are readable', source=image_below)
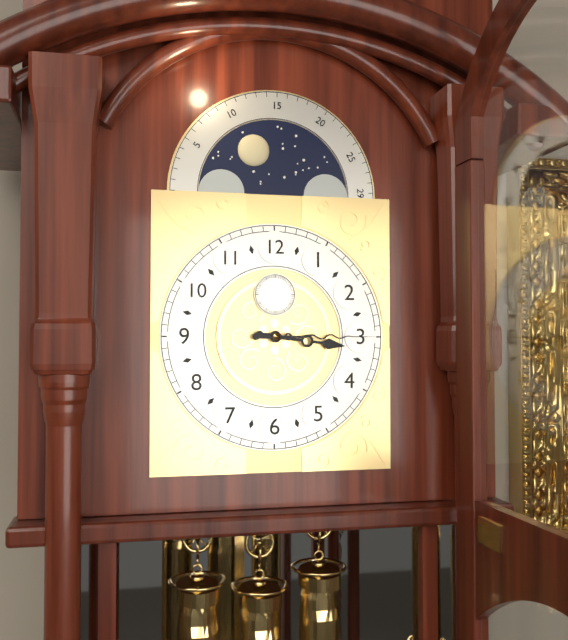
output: 3.15
